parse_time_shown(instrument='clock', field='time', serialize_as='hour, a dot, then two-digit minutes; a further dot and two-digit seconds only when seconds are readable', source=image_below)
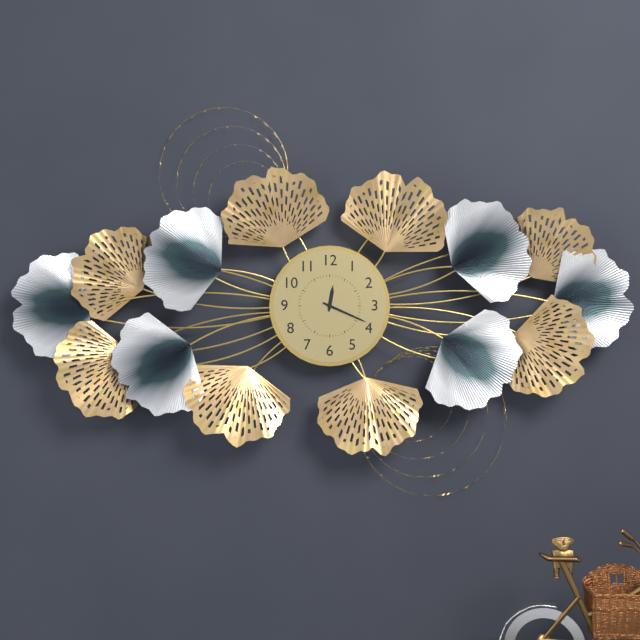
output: 12.19
